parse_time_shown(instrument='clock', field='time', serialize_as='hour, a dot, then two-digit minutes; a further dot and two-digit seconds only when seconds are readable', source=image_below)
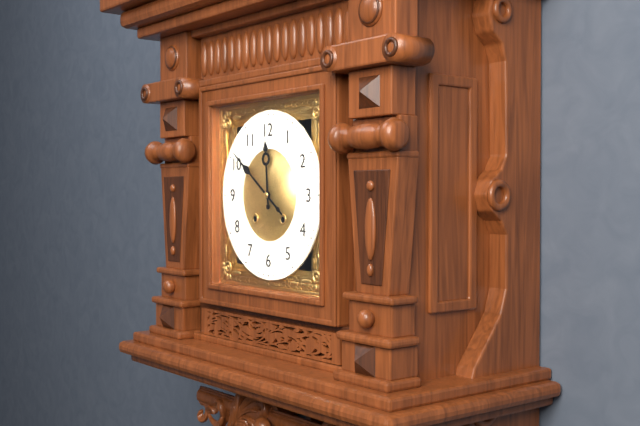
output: 11.51
